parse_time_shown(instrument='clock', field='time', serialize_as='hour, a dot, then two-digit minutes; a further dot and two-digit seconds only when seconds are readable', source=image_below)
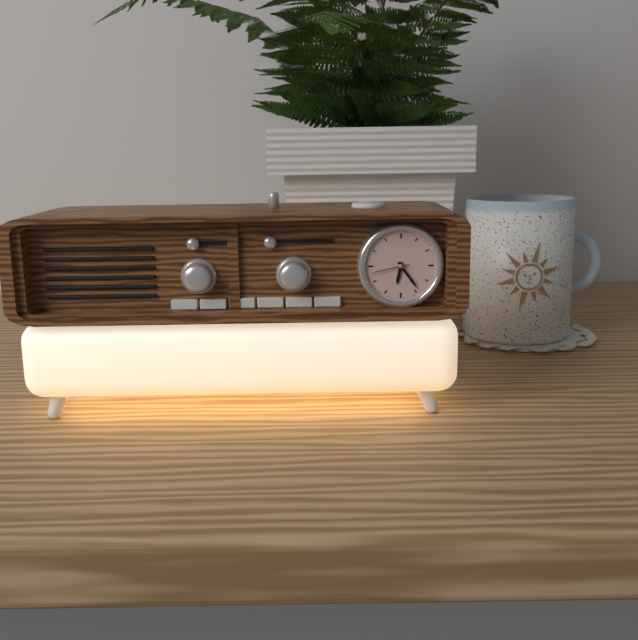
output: 6.24
